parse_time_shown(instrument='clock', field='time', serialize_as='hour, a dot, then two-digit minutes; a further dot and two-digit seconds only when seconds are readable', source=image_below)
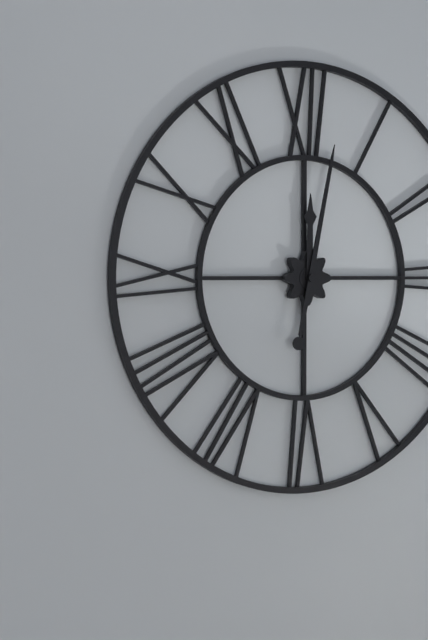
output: 12.02
